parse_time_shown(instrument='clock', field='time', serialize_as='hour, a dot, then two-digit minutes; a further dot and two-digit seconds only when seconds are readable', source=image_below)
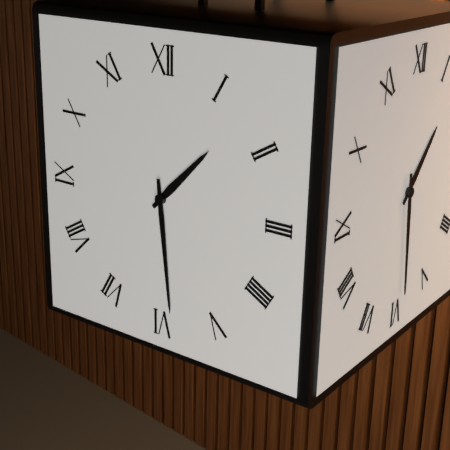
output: 1.29
